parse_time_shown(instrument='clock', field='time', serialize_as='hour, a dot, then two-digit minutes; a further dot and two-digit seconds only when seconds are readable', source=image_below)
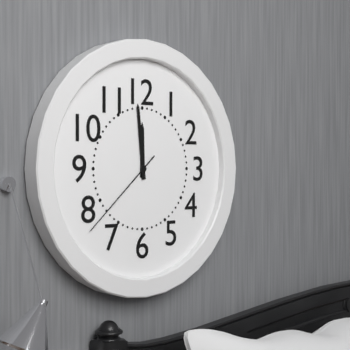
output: 11.59.38
